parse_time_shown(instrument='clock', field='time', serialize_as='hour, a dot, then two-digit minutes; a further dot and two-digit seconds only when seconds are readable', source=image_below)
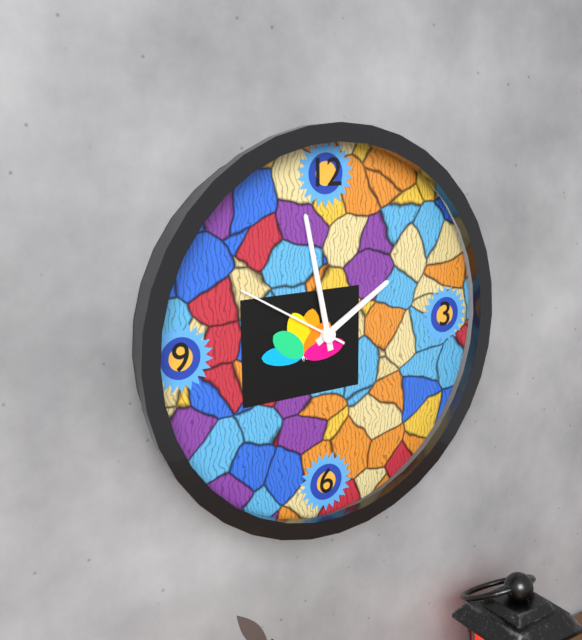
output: 1.58.50
